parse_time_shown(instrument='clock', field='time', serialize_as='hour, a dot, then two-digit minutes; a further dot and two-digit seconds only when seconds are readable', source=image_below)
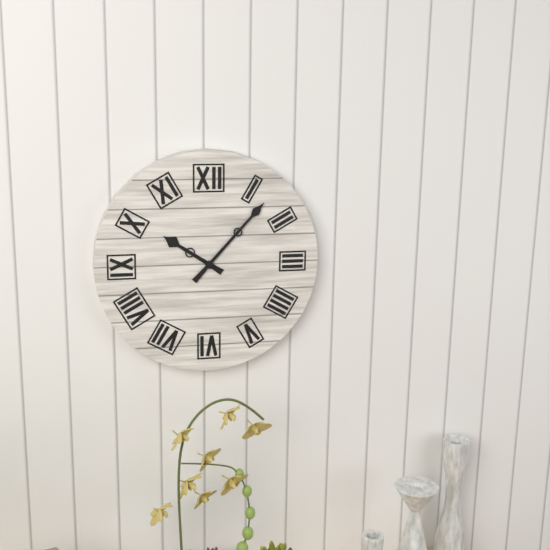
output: 10.07
